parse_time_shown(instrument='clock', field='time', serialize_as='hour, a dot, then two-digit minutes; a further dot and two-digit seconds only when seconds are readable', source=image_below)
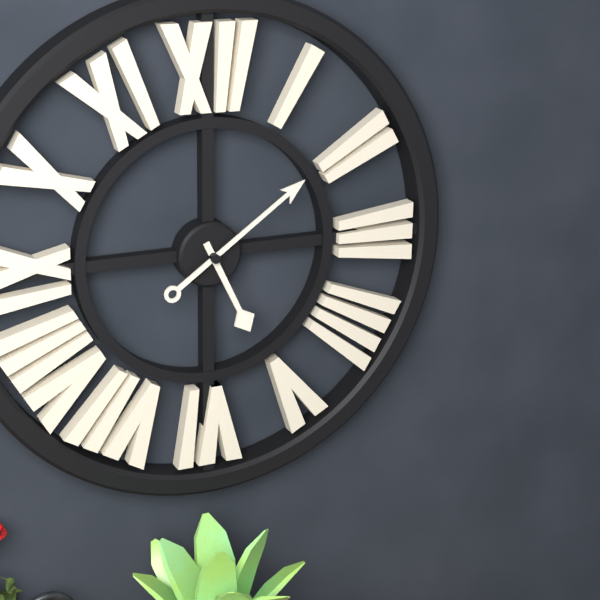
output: 5.09
